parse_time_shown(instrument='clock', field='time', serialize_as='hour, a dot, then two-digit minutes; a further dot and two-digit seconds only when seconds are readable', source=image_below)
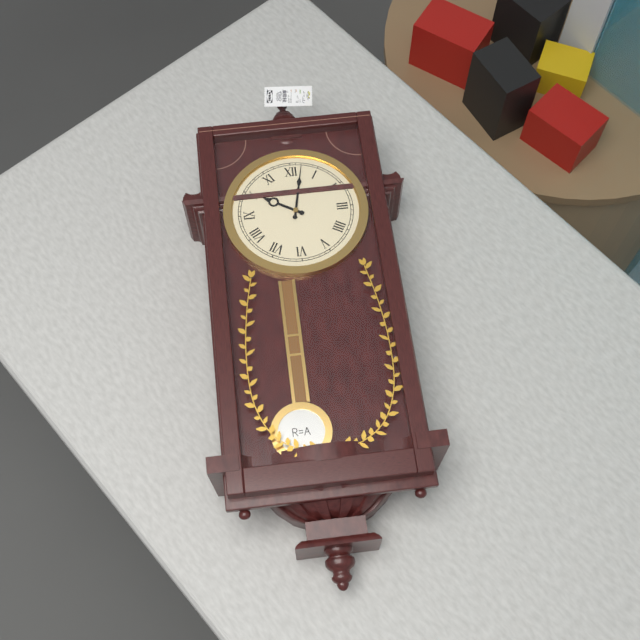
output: 10.02
